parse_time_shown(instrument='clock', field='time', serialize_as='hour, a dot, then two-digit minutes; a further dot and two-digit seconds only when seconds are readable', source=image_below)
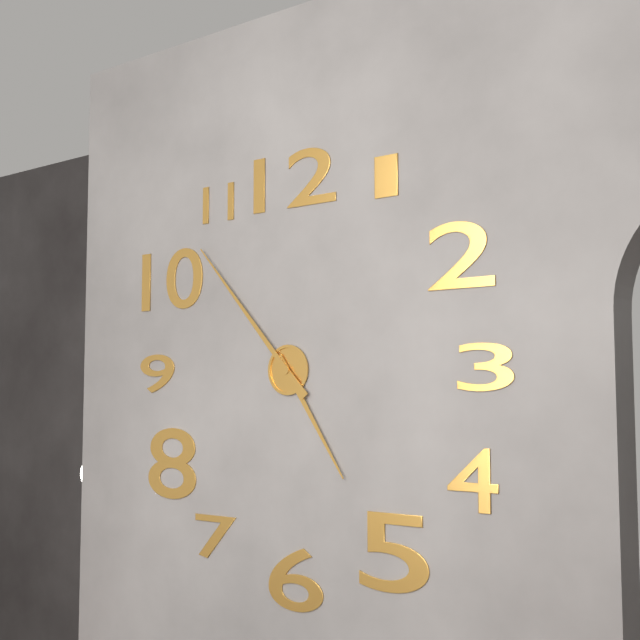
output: 4.53
